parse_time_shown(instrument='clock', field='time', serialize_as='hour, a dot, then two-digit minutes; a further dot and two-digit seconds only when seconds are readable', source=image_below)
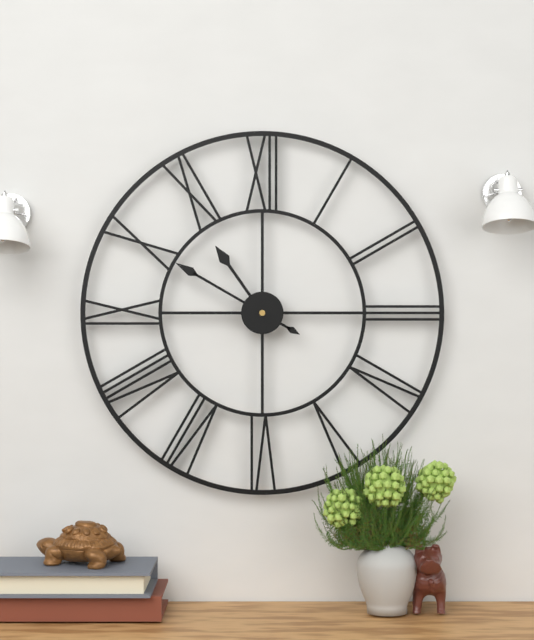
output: 10.50
